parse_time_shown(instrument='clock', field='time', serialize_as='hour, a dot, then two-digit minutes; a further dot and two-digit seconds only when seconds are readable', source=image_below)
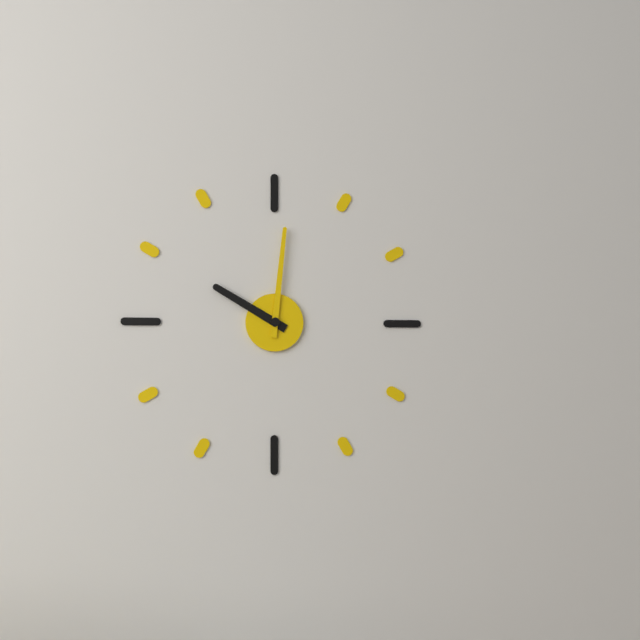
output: 10.01
